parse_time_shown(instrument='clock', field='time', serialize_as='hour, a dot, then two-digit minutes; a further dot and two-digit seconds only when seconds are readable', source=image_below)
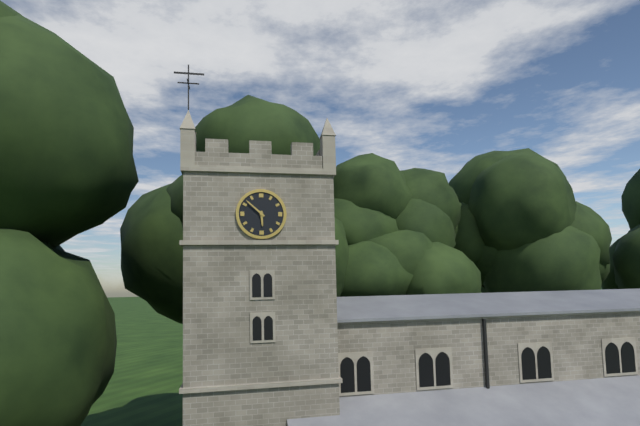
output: 5.52
